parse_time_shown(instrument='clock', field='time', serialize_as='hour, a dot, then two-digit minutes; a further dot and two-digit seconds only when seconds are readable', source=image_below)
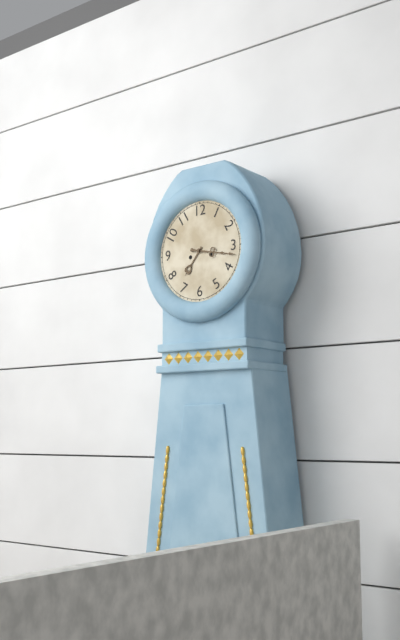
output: 7.17
